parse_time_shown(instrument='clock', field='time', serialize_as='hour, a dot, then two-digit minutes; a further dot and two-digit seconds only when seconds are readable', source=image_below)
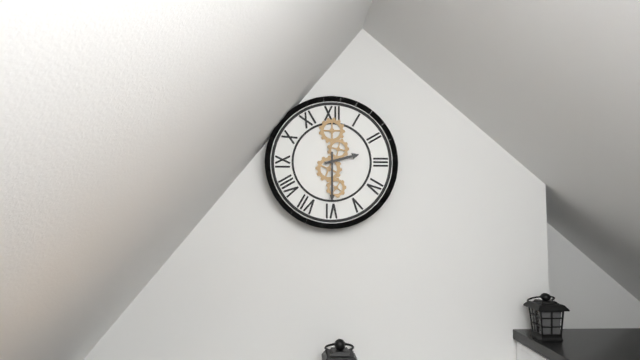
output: 2.30
